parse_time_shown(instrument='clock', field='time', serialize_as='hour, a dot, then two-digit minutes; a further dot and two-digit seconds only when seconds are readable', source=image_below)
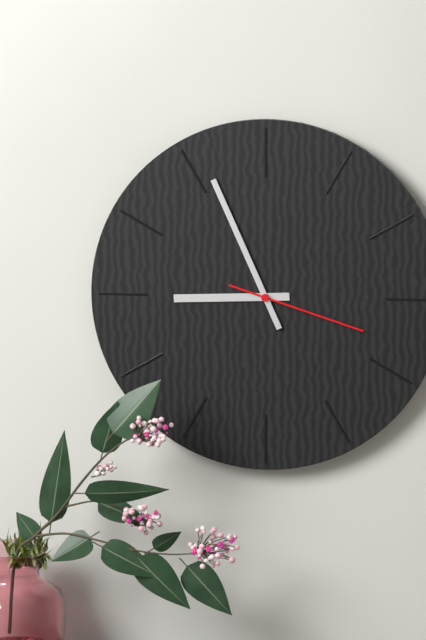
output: 8.56.18
